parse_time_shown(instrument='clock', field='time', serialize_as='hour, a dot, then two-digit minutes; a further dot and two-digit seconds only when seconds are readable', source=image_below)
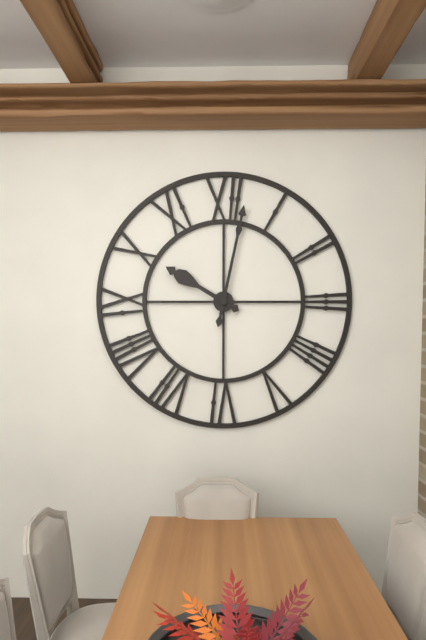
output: 10.02
